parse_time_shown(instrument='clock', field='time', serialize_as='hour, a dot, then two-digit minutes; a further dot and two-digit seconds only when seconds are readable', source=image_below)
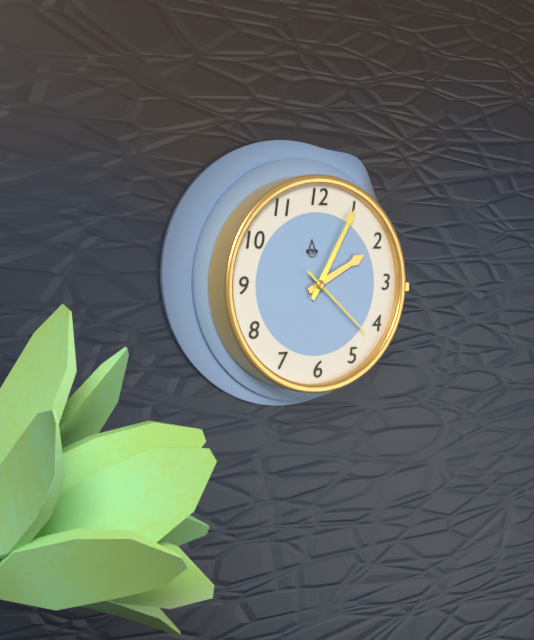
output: 2.05.22
